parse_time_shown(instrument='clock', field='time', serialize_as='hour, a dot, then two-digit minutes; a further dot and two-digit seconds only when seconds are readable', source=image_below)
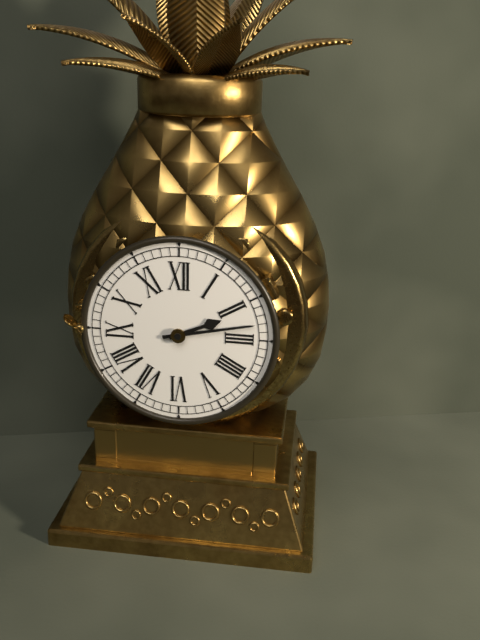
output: 2.13
